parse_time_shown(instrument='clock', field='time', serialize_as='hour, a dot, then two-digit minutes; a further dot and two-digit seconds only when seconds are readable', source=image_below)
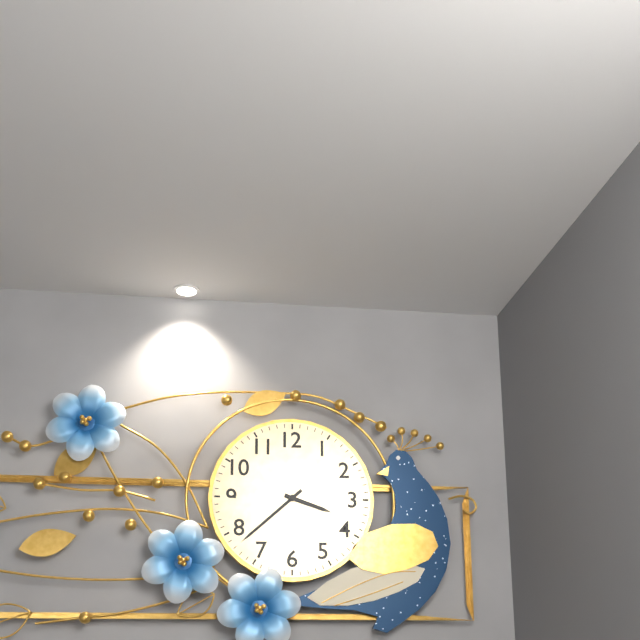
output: 3.38
